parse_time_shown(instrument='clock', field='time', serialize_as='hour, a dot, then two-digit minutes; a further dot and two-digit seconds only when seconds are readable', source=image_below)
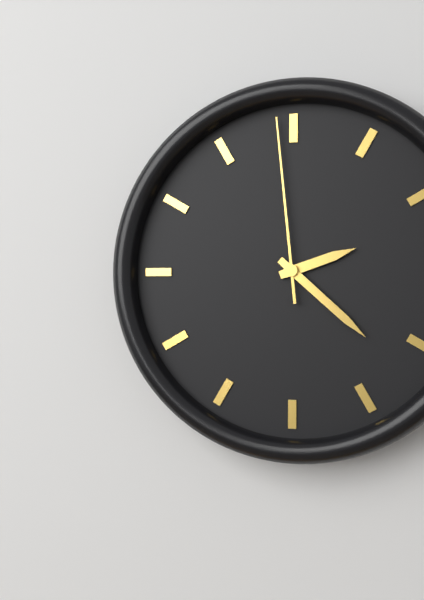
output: 2.22.59
